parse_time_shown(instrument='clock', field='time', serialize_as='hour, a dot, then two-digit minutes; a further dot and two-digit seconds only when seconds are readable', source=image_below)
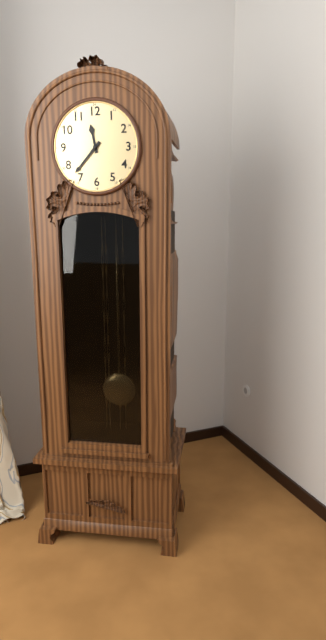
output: 11.37
